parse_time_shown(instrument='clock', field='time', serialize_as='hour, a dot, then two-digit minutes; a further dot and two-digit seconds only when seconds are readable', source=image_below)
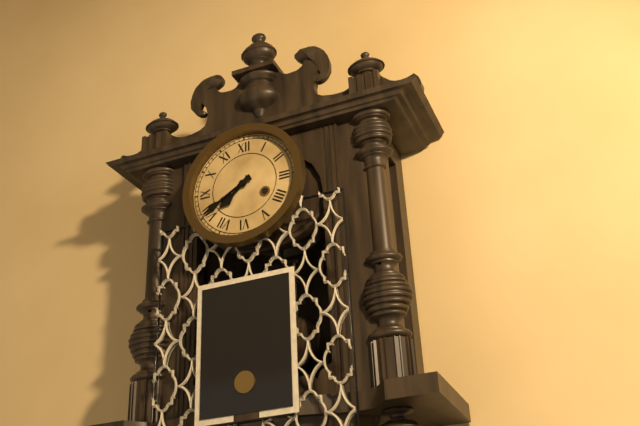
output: 7.40
